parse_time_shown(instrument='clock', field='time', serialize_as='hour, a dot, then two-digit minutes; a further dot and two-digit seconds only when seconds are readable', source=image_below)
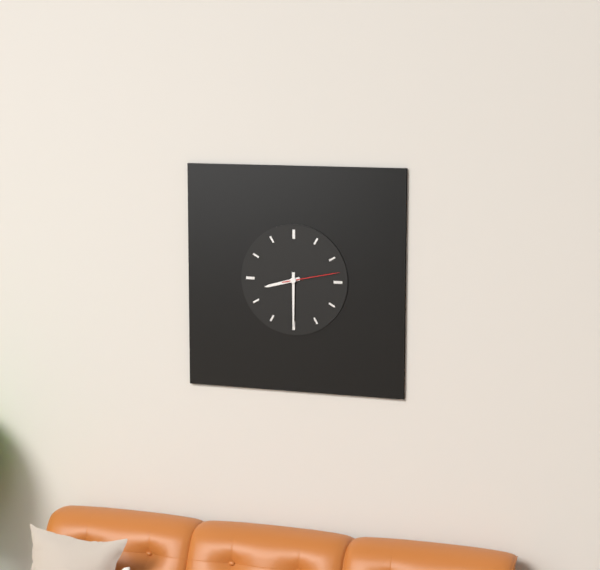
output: 8.30.13
